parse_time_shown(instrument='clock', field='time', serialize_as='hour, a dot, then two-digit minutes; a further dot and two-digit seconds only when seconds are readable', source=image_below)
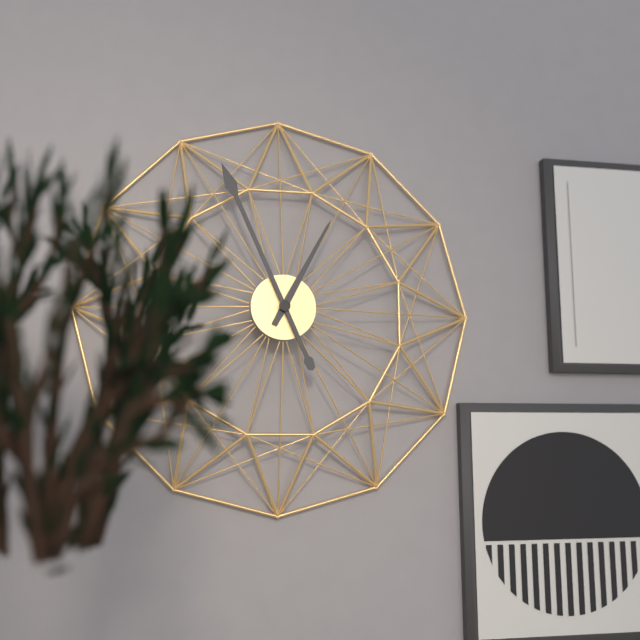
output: 12.56
